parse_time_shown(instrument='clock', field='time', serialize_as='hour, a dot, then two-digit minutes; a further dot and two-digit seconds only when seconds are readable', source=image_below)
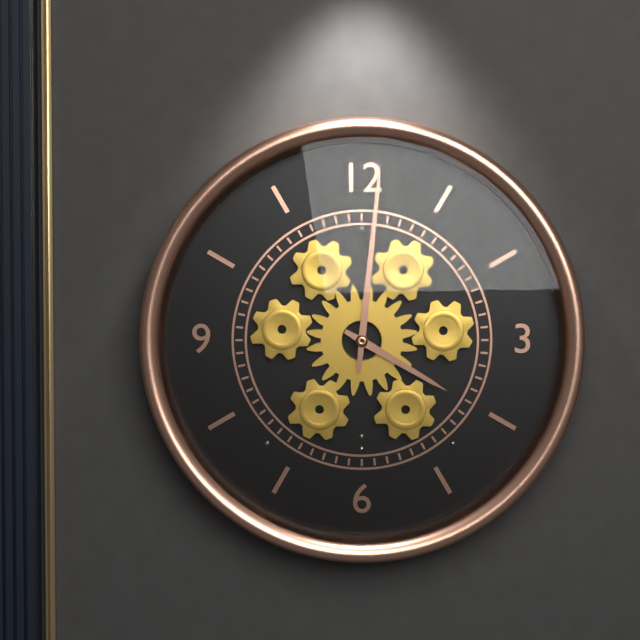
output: 4.01
